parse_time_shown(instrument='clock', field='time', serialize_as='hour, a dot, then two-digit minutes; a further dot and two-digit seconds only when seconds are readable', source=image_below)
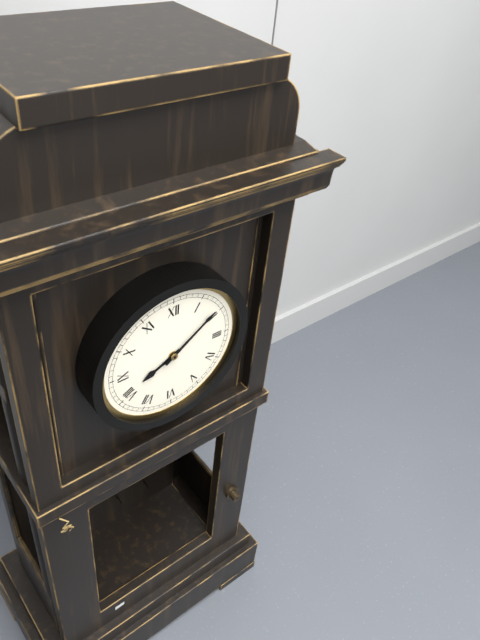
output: 8.09
